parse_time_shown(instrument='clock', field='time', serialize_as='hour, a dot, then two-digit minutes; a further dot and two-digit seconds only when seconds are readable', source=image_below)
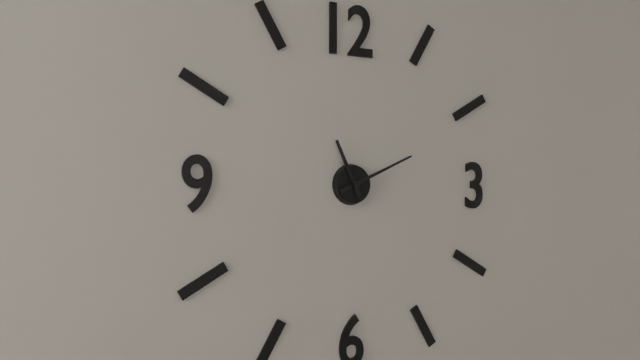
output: 11.11
